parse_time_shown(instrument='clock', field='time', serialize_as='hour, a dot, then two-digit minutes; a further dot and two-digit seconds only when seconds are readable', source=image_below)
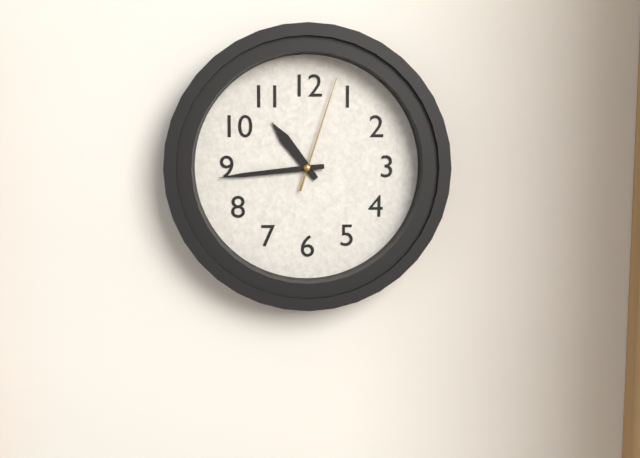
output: 10.44.03
